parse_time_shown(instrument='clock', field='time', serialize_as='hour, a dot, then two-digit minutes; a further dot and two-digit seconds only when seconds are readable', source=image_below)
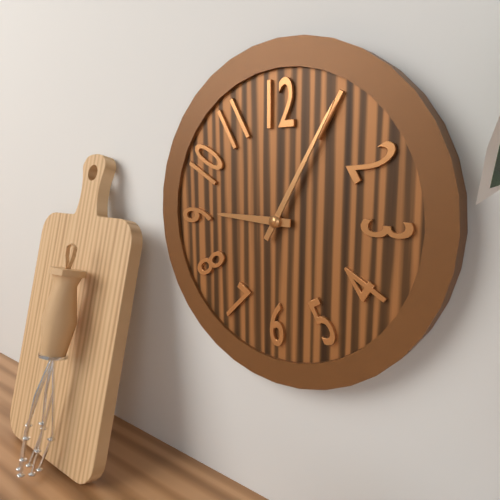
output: 9.05
